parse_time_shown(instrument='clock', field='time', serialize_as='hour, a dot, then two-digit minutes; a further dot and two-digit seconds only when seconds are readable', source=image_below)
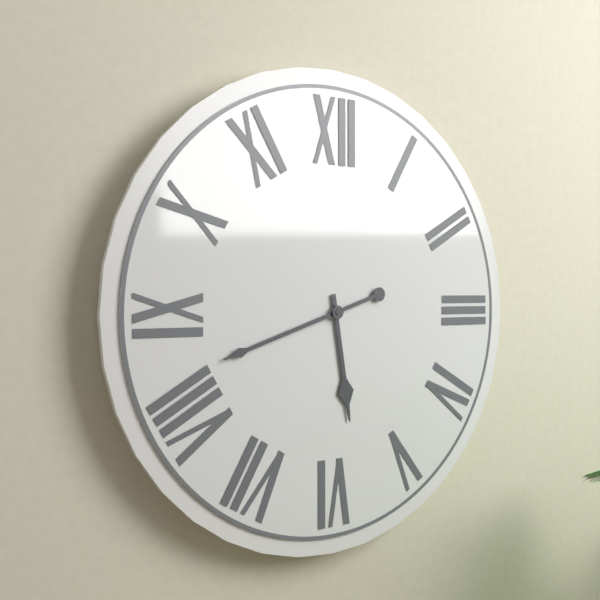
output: 5.42
